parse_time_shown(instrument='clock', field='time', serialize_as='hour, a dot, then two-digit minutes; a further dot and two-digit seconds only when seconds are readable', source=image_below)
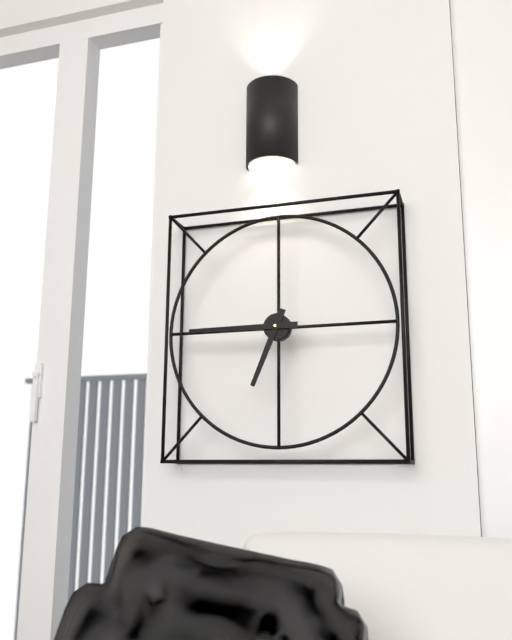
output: 6.45
